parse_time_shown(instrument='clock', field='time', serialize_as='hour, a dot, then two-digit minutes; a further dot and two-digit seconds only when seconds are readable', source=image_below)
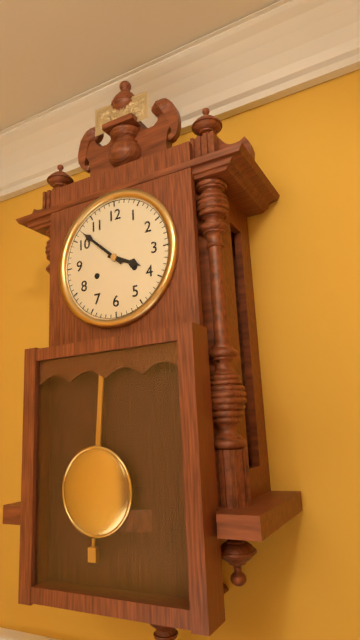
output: 3.52
